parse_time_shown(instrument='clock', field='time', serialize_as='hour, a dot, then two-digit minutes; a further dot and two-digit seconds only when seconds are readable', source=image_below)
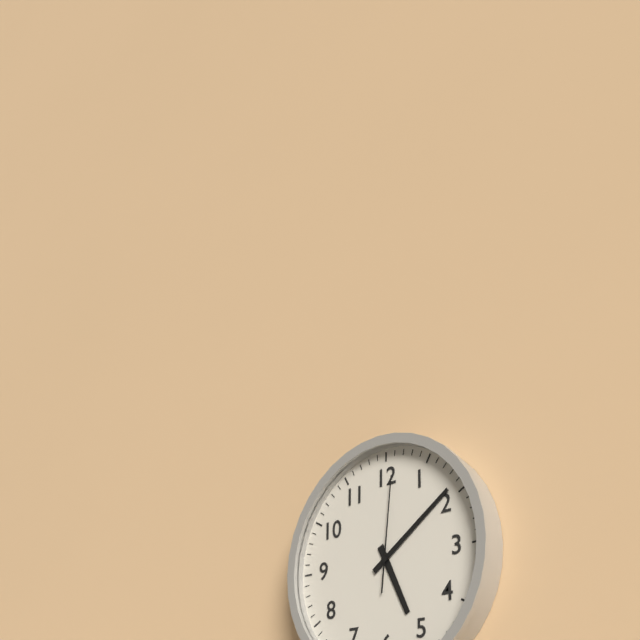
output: 5.09.01
